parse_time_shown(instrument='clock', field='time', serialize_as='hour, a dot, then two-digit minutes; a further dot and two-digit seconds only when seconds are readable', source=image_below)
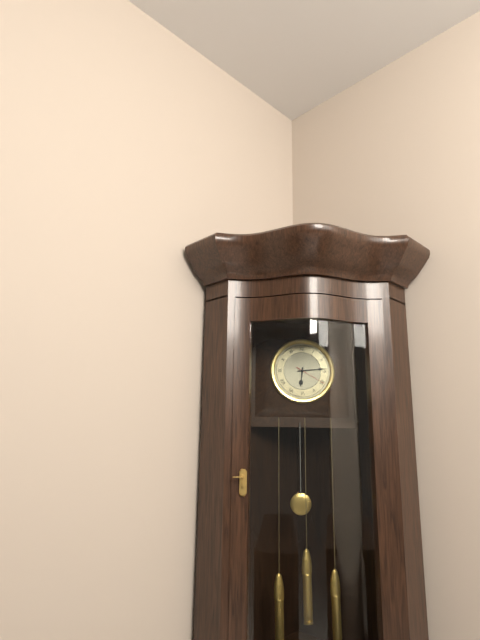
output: 6.14
